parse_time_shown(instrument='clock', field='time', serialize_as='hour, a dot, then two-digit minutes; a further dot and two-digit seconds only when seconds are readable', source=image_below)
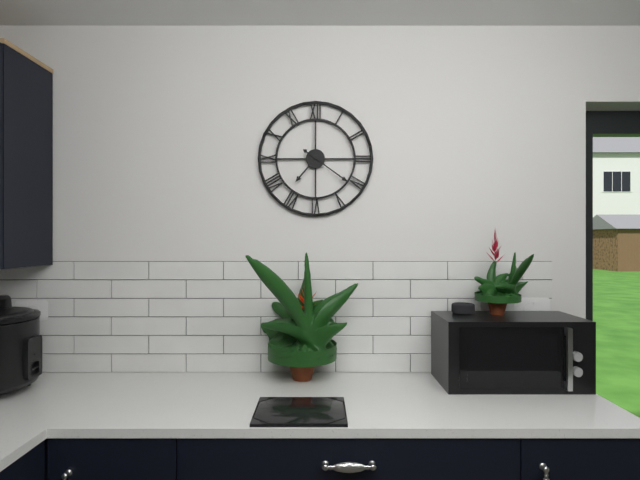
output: 7.21
